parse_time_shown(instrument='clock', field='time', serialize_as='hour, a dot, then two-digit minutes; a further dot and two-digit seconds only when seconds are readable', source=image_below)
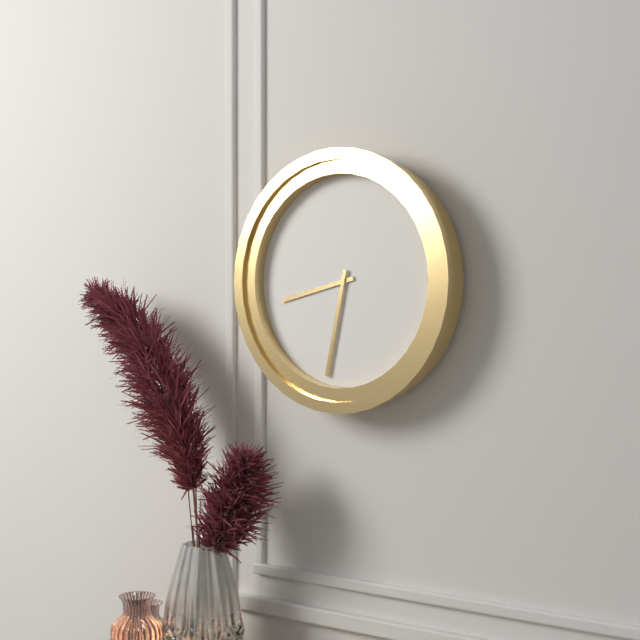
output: 8.32
